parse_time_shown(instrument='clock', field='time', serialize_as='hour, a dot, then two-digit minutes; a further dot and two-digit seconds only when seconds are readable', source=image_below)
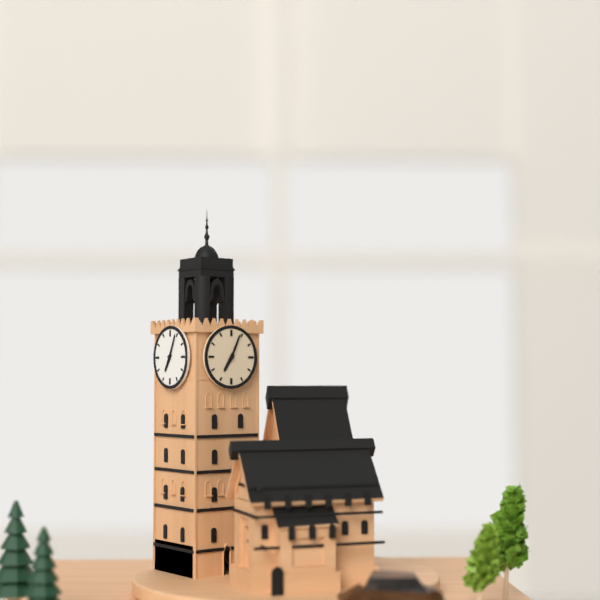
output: 7.04
